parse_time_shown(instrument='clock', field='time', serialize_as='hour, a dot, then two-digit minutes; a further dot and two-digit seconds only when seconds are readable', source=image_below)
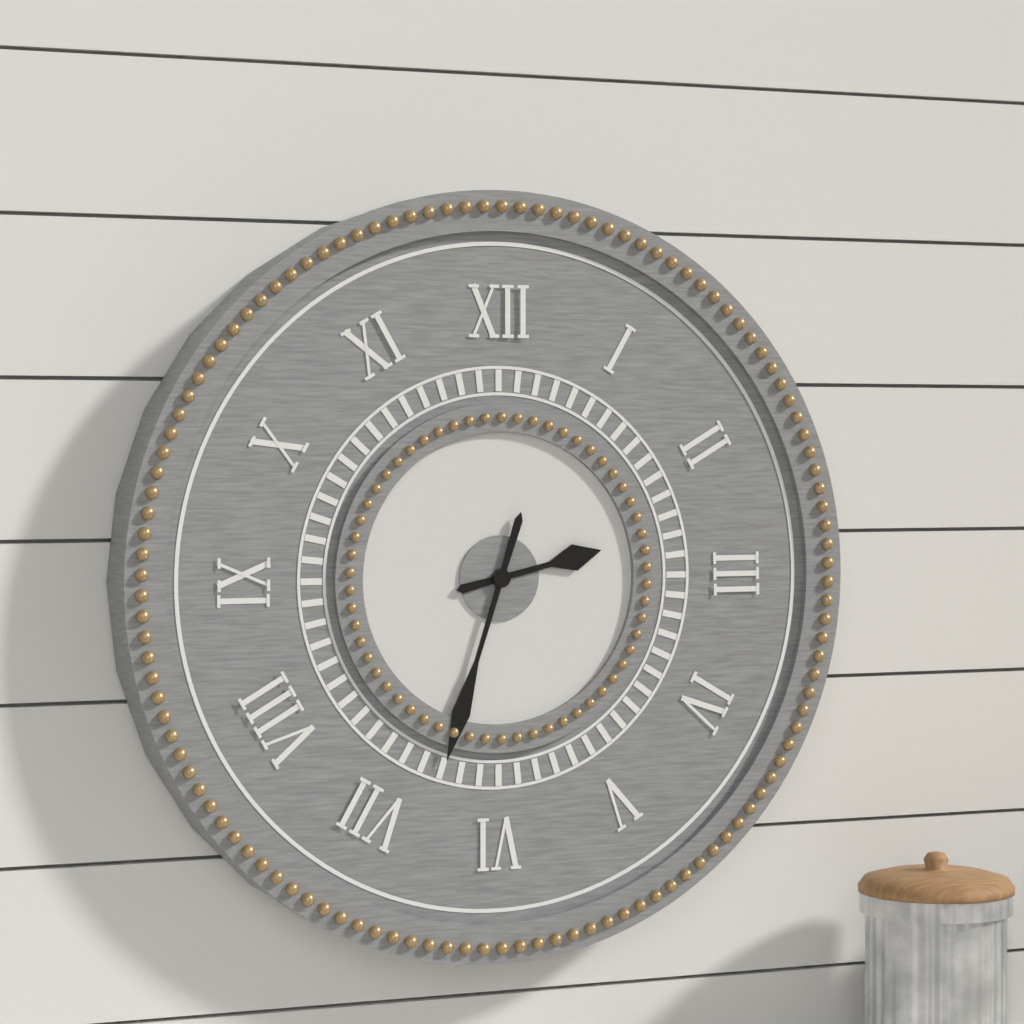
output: 2.33
